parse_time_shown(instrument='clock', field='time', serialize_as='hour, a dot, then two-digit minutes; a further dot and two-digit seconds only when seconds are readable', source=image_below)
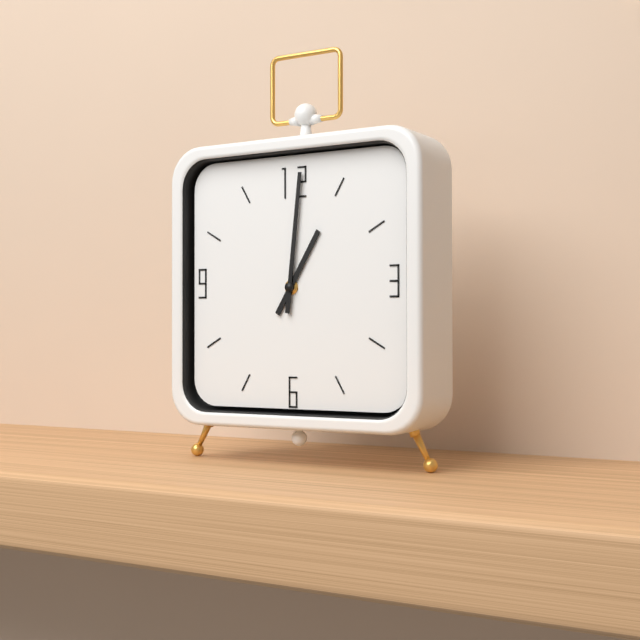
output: 1.01
